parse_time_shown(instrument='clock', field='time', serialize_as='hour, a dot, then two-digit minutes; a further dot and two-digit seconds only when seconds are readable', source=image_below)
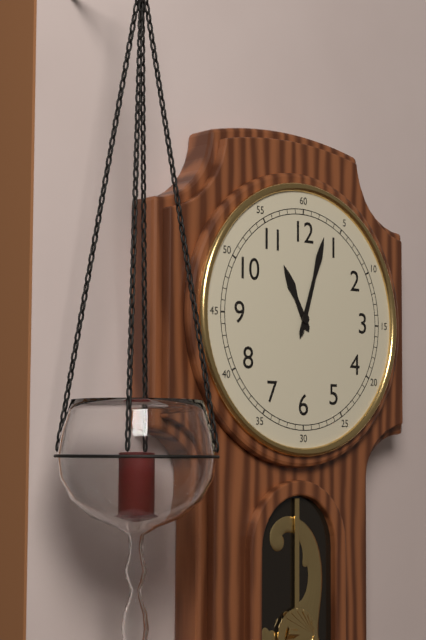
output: 11.03
